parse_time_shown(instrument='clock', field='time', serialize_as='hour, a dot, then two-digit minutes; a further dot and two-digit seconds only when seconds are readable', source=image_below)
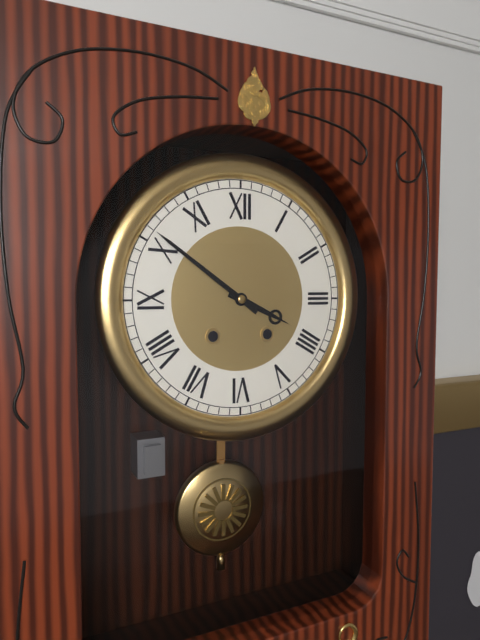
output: 3.51
